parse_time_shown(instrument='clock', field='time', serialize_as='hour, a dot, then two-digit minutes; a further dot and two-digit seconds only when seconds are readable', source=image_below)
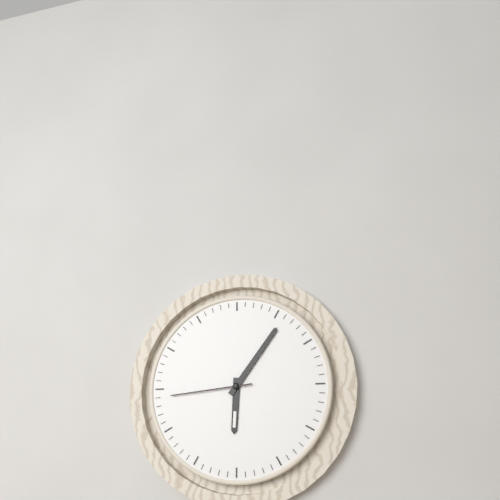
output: 6.06.44
